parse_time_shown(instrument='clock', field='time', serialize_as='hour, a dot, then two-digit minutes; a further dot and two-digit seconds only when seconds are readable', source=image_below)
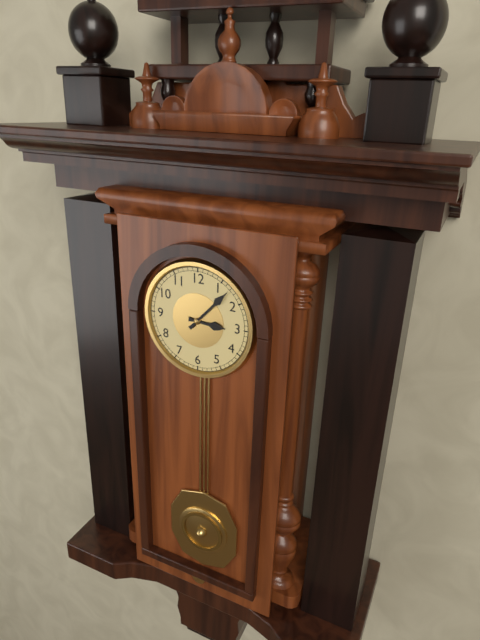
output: 3.07
